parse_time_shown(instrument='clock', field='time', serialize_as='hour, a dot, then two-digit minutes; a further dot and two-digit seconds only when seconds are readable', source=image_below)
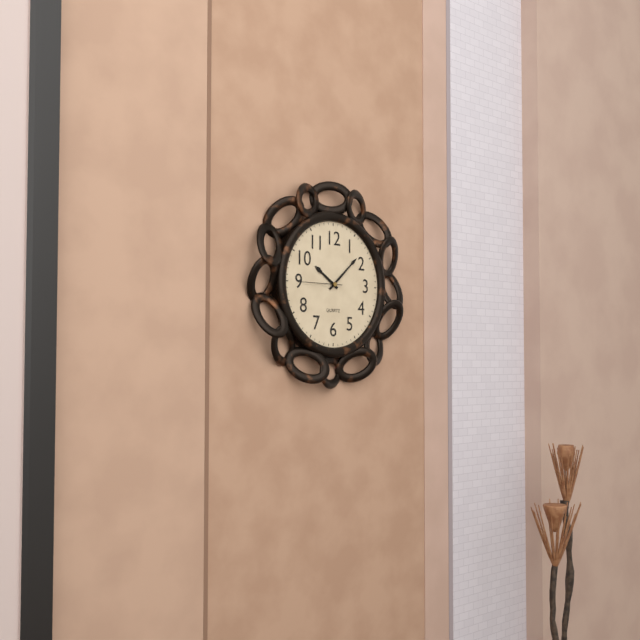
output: 10.08
